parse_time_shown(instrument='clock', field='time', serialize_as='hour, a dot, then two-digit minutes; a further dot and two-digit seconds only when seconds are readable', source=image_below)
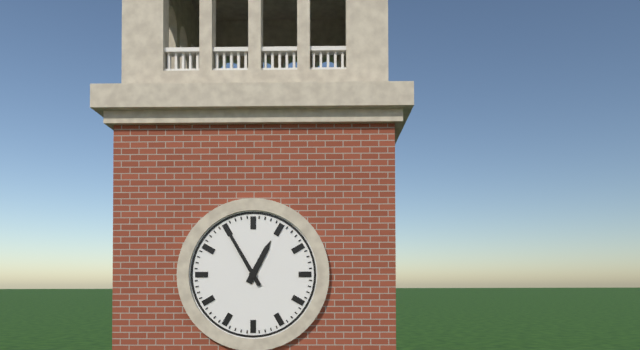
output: 12.55
